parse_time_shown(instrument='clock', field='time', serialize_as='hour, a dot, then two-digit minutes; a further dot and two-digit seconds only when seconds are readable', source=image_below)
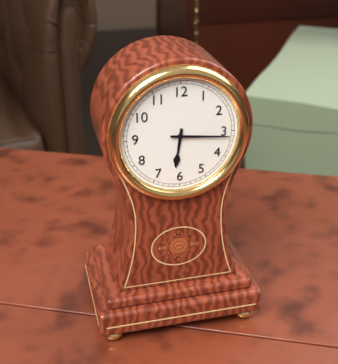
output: 6.16
